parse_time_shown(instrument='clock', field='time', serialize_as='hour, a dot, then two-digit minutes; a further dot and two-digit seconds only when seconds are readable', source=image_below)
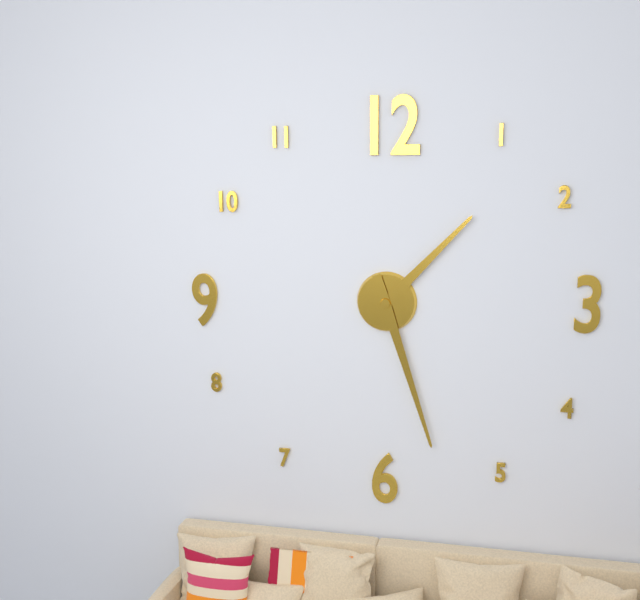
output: 1.27
